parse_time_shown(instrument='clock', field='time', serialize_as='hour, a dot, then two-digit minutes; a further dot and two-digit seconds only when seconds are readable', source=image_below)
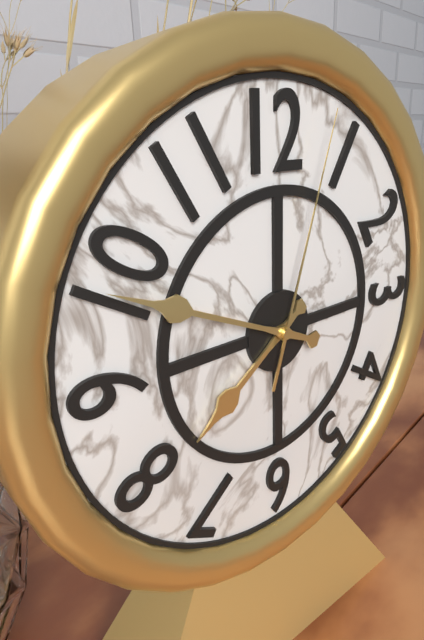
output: 7.49.03
